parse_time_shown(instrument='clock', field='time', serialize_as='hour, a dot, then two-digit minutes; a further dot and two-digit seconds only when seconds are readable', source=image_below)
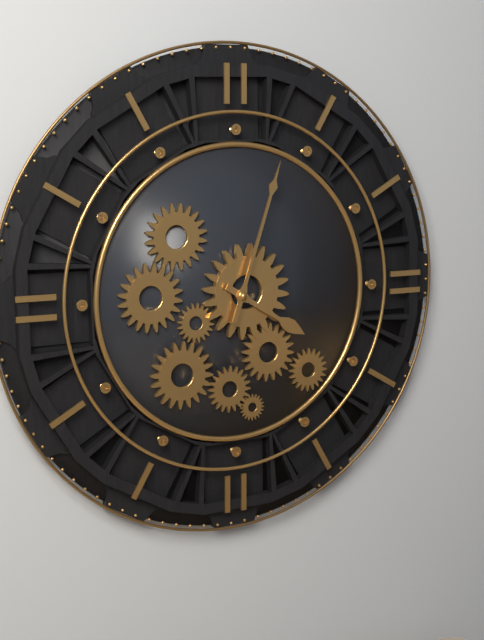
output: 4.03
